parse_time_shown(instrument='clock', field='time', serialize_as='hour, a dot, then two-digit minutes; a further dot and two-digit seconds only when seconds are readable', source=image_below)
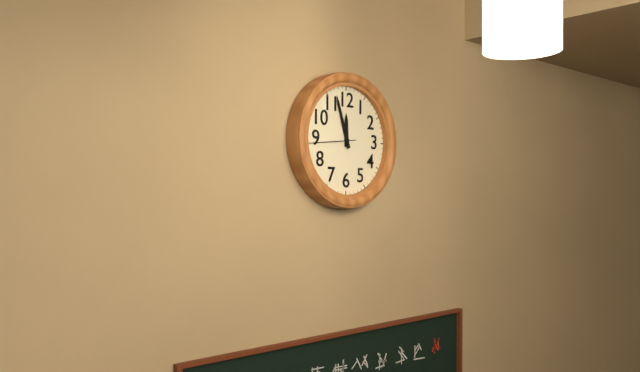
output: 11.57
